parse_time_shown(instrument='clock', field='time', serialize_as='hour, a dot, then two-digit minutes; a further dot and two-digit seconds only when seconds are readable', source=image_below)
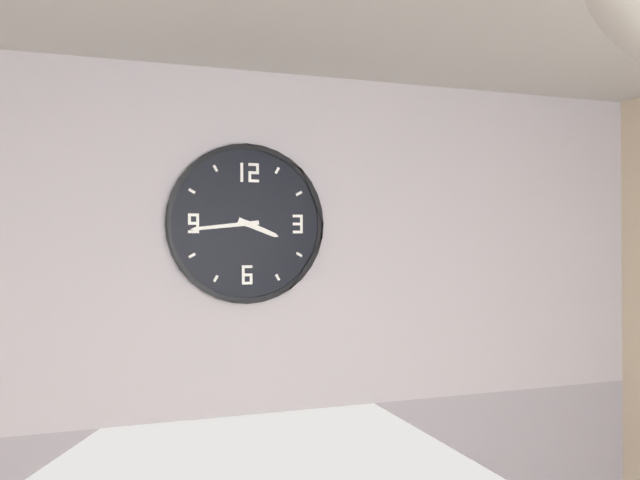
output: 3.44
